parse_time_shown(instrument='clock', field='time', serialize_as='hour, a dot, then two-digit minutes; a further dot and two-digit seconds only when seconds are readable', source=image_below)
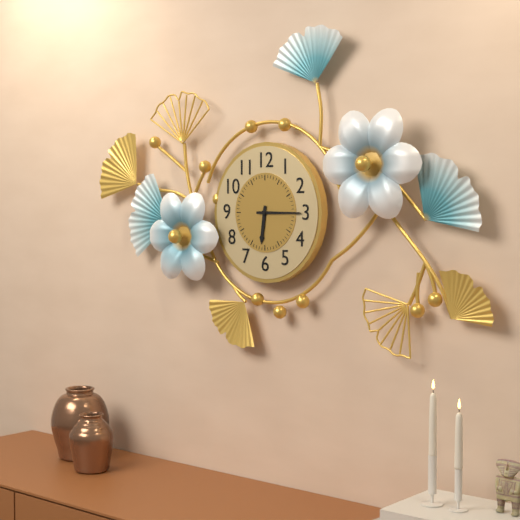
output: 6.15
